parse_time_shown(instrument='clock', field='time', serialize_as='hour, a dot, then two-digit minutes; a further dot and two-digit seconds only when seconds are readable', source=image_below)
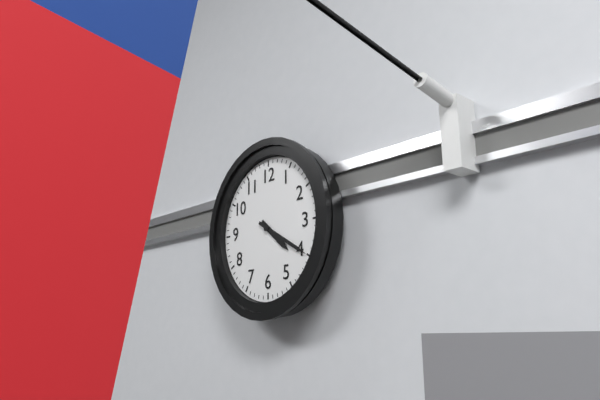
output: 4.20
